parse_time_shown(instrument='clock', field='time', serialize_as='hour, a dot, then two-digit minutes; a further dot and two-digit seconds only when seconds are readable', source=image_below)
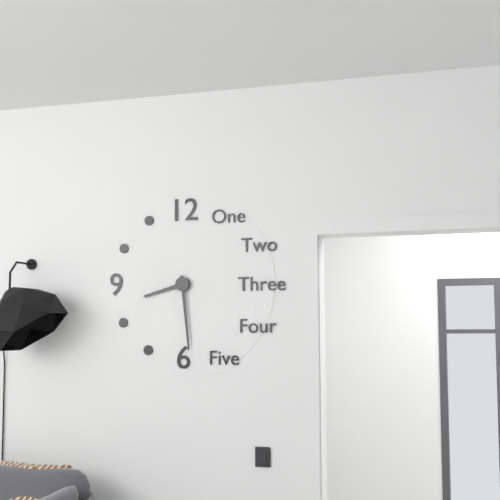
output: 8.29
